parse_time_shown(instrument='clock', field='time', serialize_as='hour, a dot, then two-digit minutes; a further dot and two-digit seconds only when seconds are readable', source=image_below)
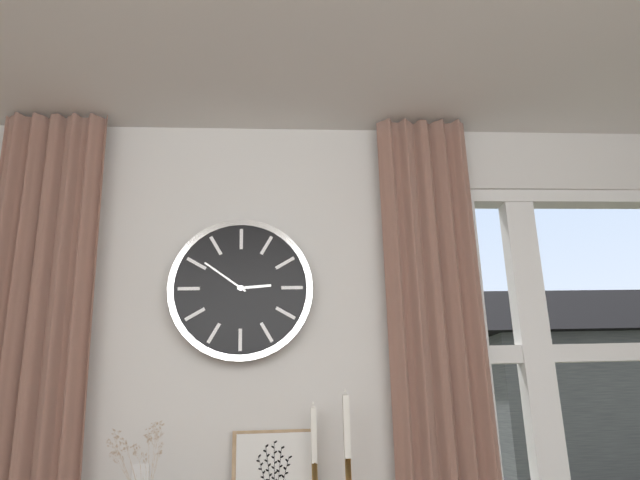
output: 2.51
